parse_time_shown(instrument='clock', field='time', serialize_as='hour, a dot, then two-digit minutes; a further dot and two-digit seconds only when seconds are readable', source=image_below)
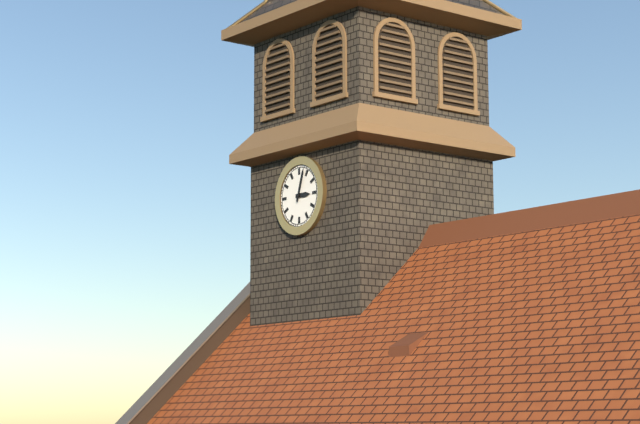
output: 3.03
